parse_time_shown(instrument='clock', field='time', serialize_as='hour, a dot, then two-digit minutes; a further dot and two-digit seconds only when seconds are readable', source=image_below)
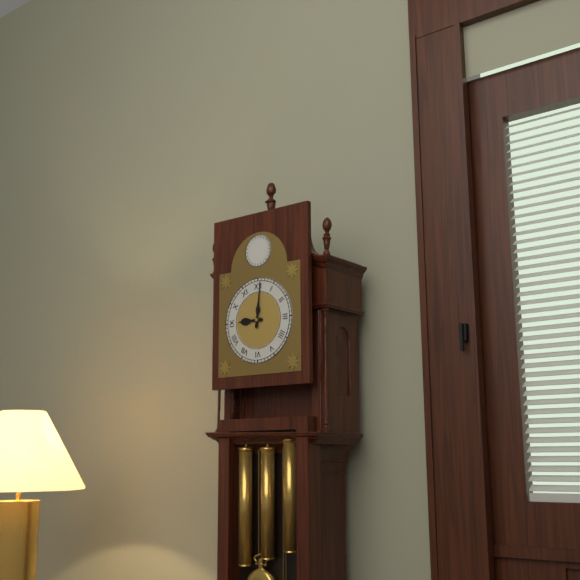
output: 9.01
